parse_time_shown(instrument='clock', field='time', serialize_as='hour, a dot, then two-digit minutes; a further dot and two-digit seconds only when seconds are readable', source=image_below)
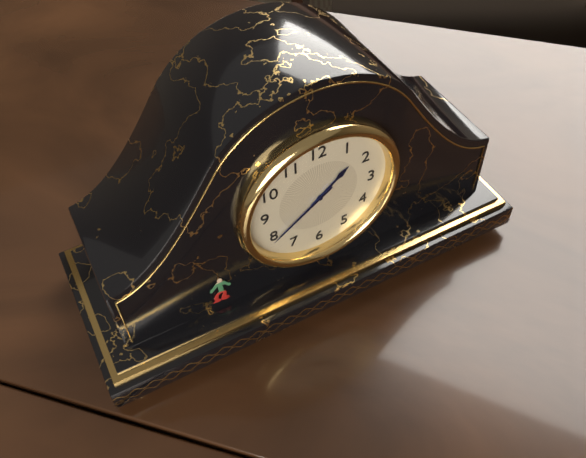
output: 1.39
